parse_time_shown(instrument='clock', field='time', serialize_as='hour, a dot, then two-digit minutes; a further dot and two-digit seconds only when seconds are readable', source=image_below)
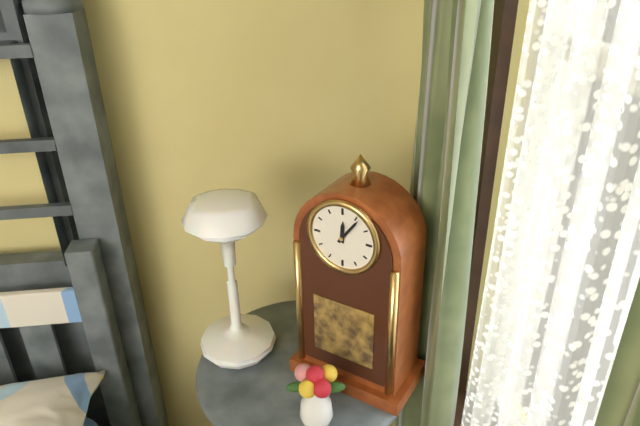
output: 12.06
